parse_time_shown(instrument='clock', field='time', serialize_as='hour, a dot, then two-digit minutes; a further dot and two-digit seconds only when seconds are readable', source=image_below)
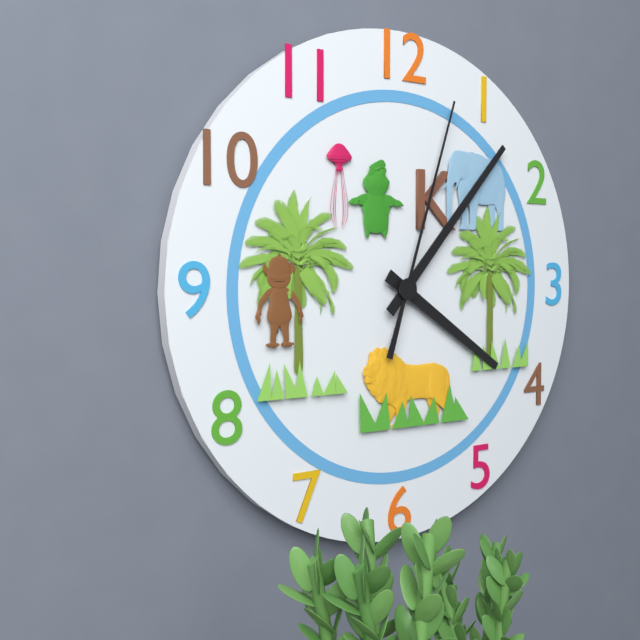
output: 4.07.03
